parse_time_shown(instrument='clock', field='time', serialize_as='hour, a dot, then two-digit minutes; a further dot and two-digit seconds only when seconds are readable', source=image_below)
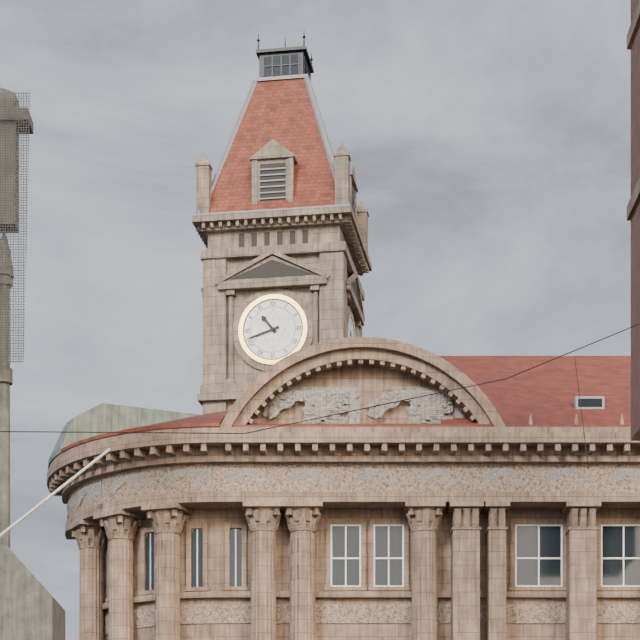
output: 10.42
